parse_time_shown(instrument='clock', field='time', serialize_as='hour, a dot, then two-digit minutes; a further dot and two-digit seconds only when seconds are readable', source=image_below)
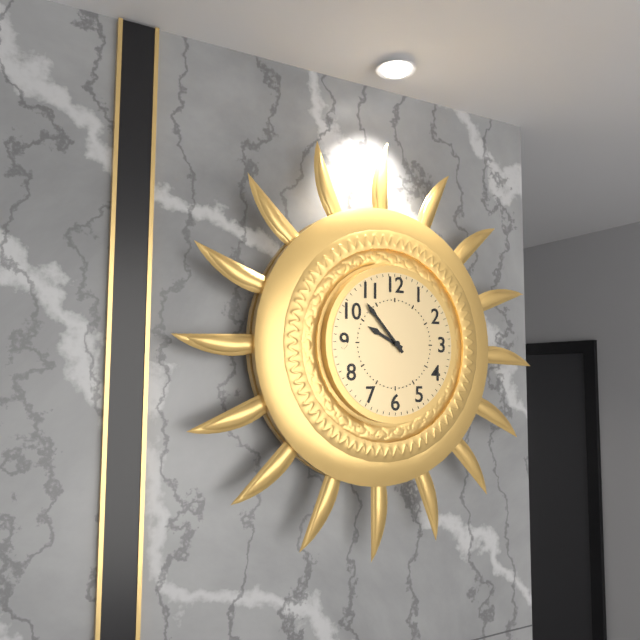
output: 9.53
